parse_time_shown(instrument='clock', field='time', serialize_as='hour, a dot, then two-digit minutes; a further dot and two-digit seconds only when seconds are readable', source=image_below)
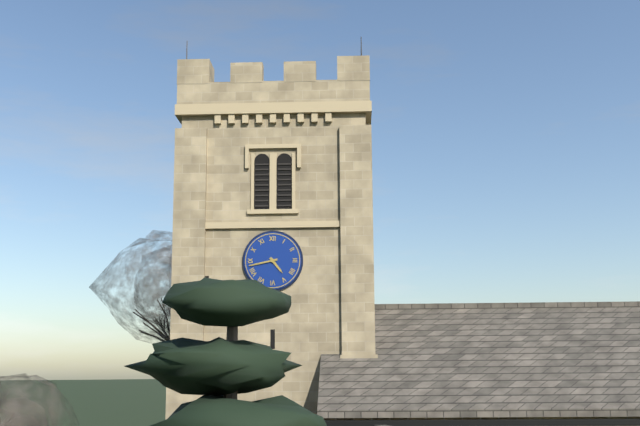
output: 4.43
